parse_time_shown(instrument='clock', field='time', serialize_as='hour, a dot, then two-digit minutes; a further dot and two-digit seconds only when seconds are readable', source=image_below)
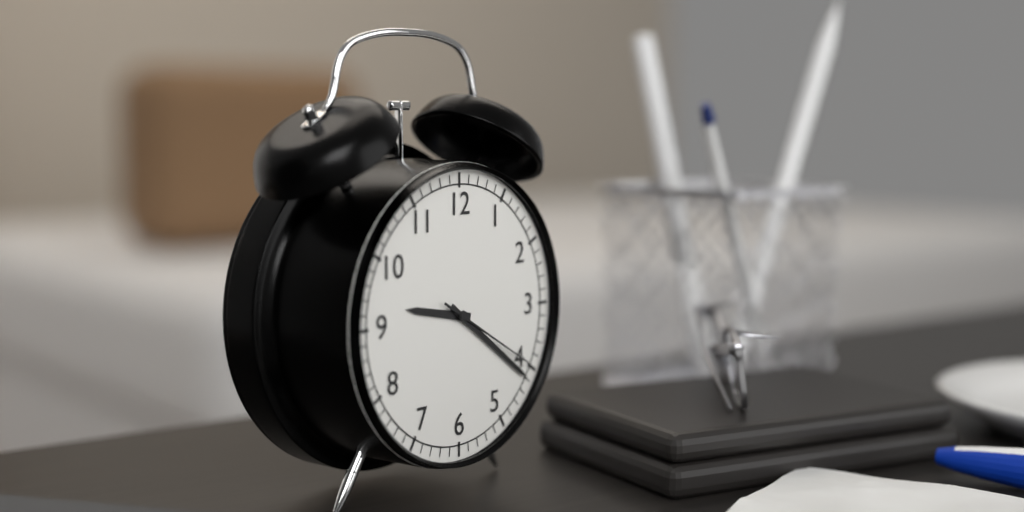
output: 9.21.20
